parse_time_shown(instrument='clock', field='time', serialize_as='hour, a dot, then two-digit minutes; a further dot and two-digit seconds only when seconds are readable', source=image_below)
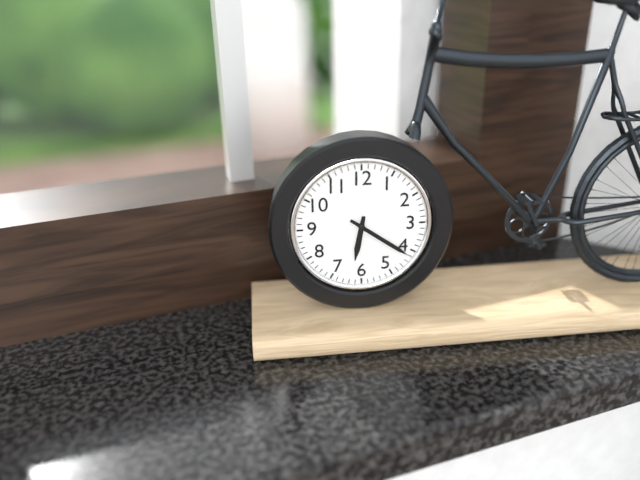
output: 6.21
